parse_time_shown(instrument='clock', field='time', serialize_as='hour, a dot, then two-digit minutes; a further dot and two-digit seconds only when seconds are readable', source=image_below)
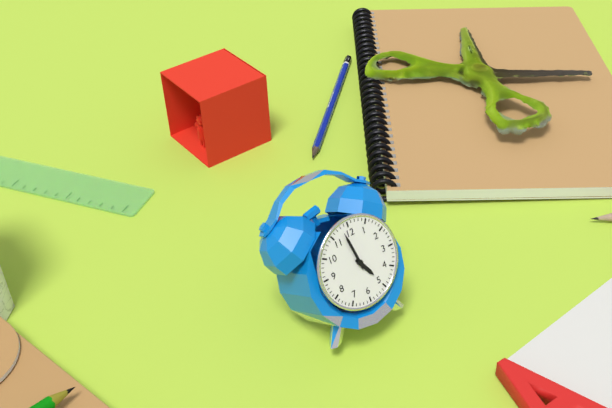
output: 4.58
